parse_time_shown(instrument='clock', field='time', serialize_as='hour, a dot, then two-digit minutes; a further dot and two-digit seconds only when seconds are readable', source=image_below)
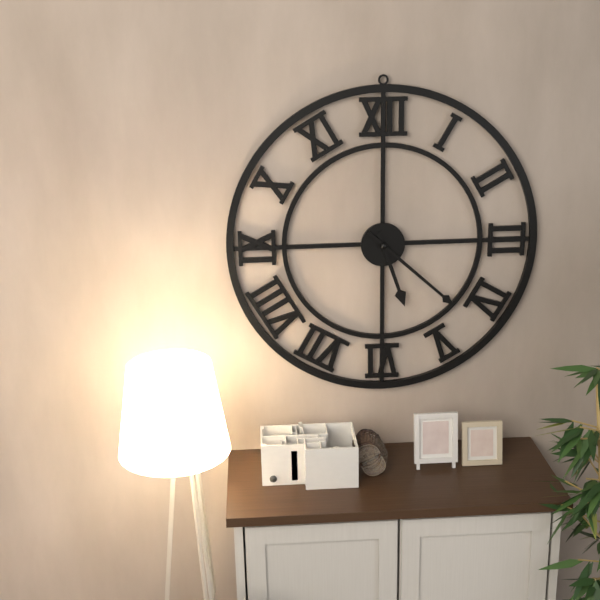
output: 5.22
